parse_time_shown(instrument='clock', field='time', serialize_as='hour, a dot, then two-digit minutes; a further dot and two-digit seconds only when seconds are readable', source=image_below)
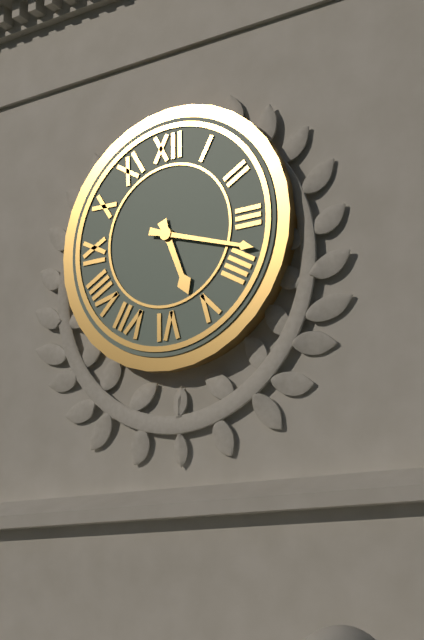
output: 5.18
